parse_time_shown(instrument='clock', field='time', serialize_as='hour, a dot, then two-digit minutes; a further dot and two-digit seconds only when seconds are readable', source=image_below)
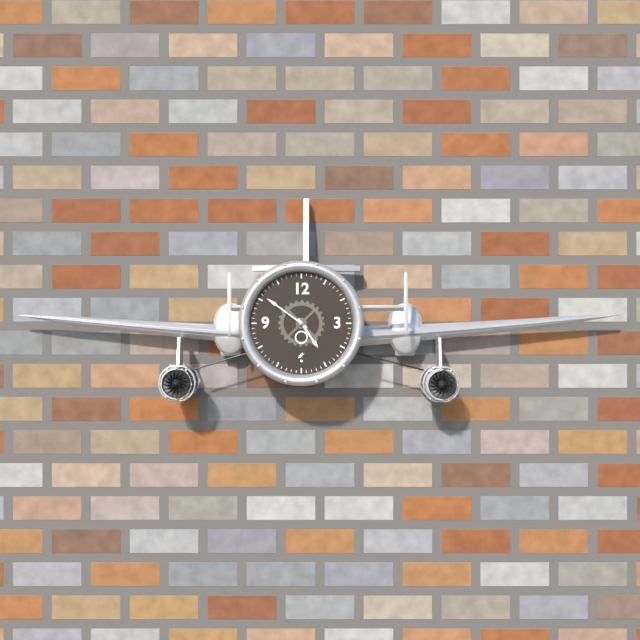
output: 4.51
